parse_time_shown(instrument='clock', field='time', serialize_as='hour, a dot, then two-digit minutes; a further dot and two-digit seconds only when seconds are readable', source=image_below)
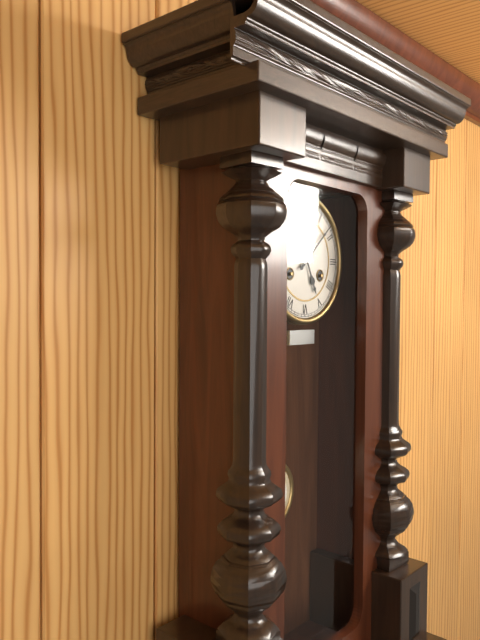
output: 5.08
